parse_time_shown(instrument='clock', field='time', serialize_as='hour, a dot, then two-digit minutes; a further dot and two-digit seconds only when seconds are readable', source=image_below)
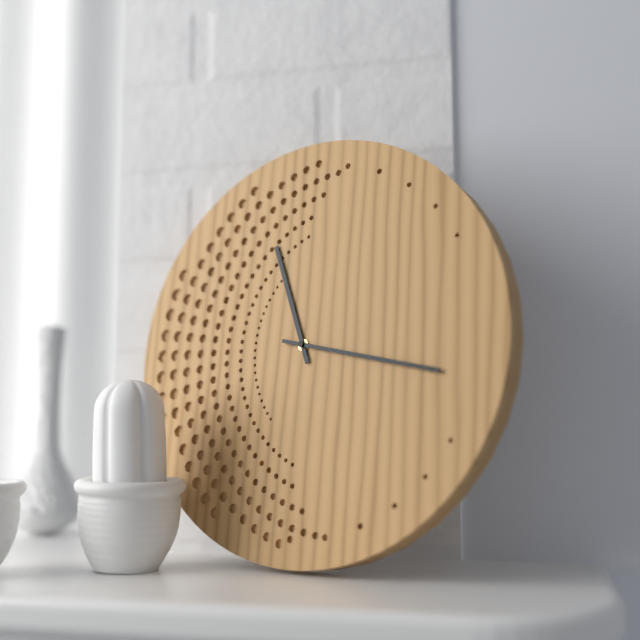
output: 11.17
